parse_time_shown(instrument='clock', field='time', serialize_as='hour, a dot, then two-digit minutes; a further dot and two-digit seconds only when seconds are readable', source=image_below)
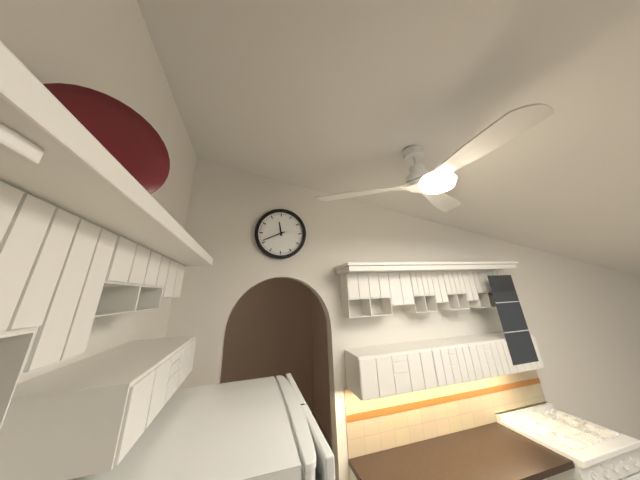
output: 11.41
